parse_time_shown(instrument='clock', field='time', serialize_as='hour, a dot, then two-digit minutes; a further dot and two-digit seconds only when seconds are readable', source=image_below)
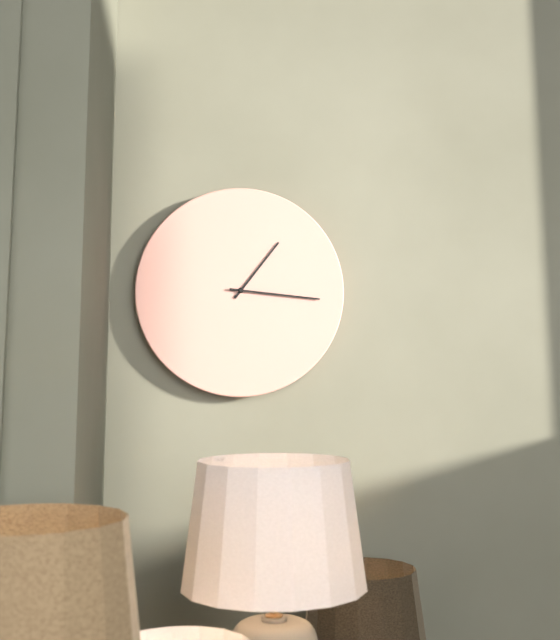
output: 1.16
